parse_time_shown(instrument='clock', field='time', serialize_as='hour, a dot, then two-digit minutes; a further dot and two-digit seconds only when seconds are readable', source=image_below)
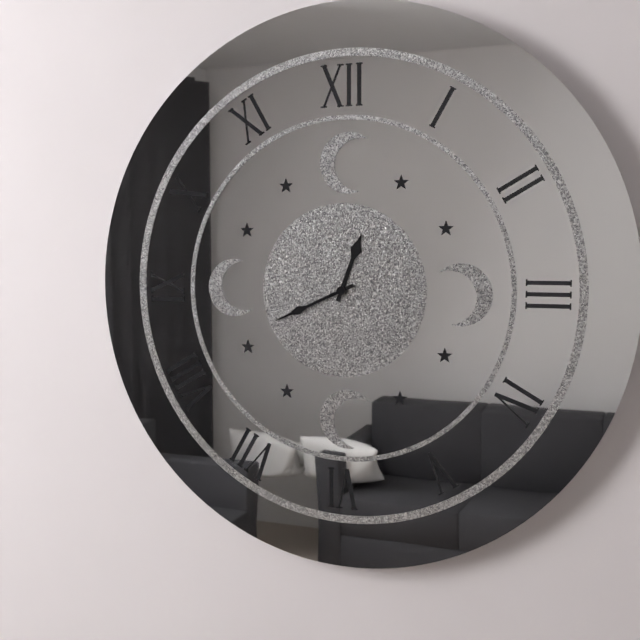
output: 12.41
